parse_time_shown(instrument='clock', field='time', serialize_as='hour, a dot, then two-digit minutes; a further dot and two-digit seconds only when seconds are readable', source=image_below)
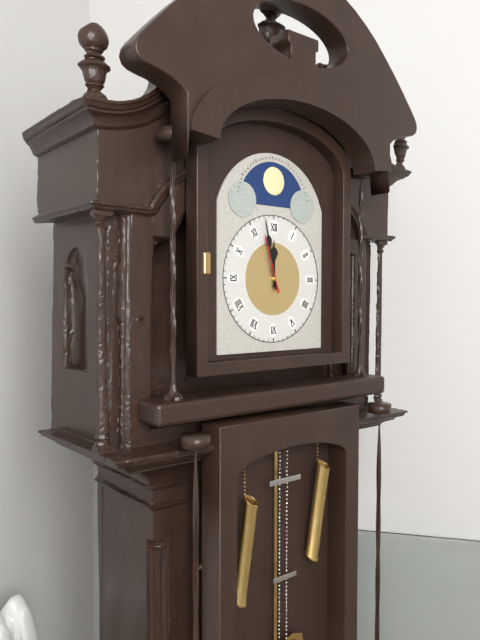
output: 11.58.57
